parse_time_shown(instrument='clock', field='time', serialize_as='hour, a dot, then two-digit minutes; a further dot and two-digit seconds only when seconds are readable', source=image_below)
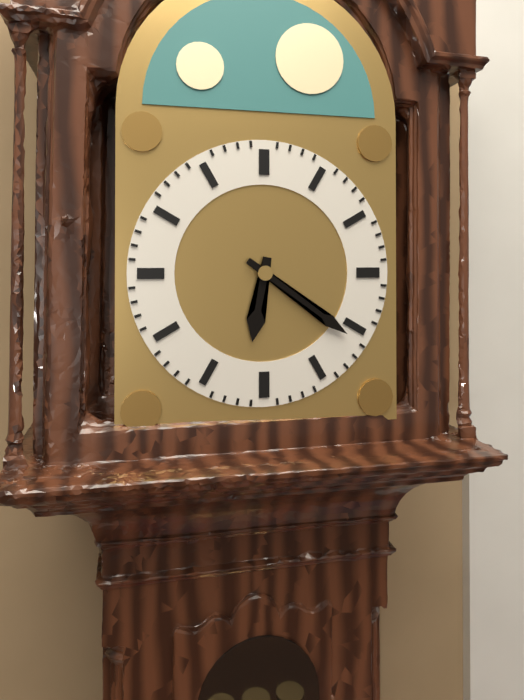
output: 6.21
